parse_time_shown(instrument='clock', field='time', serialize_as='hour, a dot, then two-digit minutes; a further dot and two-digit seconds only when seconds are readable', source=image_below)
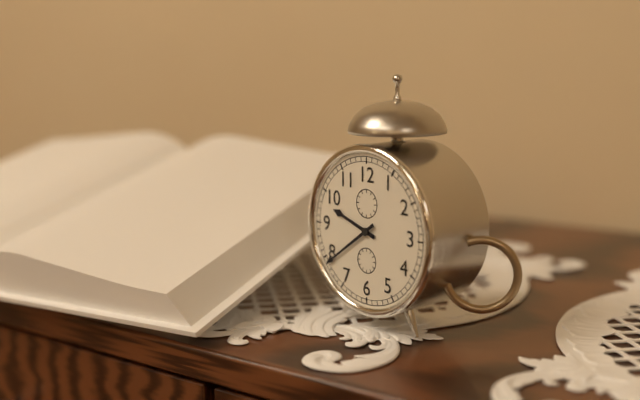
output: 9.39
